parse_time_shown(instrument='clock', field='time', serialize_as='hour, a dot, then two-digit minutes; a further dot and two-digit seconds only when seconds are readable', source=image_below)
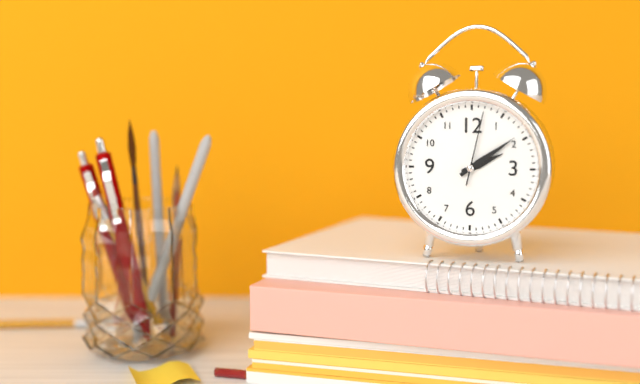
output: 2.09.02
